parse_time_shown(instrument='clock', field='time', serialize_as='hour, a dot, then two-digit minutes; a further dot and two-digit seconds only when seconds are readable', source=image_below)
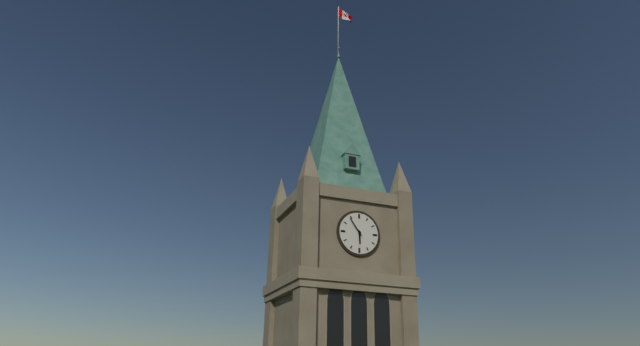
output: 5.54
